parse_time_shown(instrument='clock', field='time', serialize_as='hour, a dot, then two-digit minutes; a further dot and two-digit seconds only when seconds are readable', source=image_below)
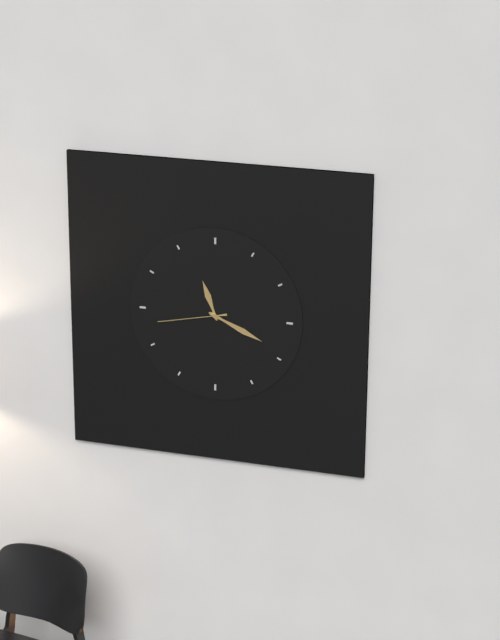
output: 11.19.43
